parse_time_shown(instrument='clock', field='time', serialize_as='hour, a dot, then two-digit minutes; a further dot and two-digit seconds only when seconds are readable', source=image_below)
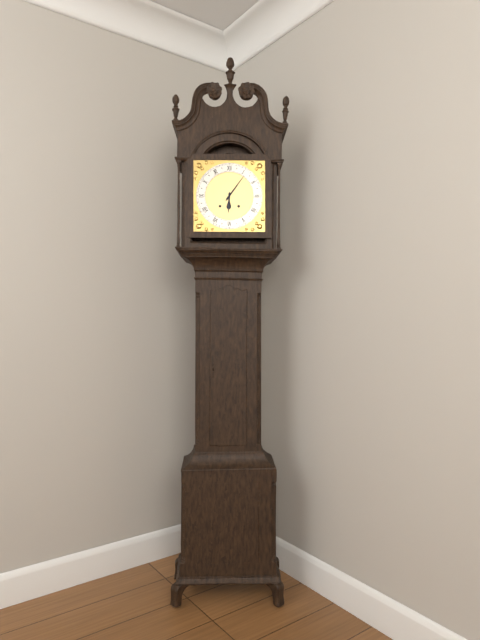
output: 6.06
